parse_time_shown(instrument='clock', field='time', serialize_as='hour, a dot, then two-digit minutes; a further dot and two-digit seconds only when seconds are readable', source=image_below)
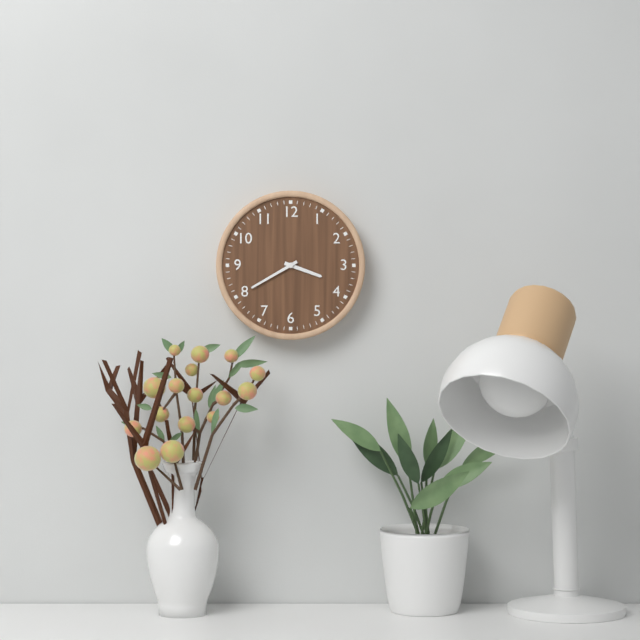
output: 3.40
